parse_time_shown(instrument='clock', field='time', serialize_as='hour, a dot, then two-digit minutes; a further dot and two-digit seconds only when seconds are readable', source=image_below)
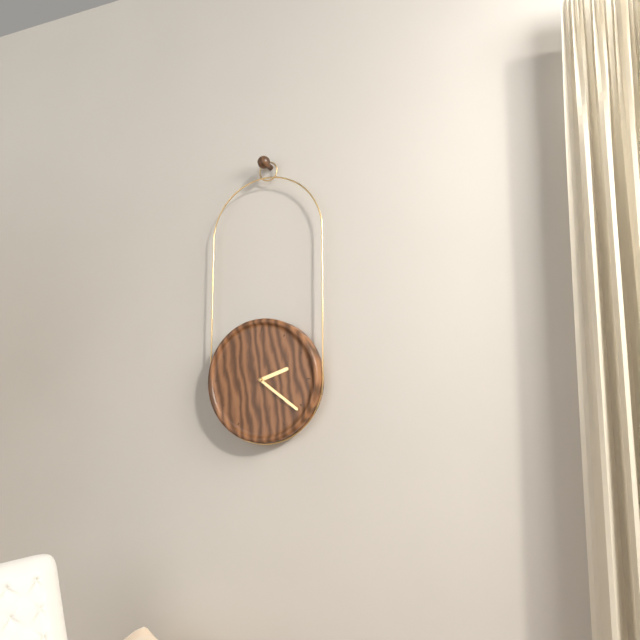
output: 2.21
